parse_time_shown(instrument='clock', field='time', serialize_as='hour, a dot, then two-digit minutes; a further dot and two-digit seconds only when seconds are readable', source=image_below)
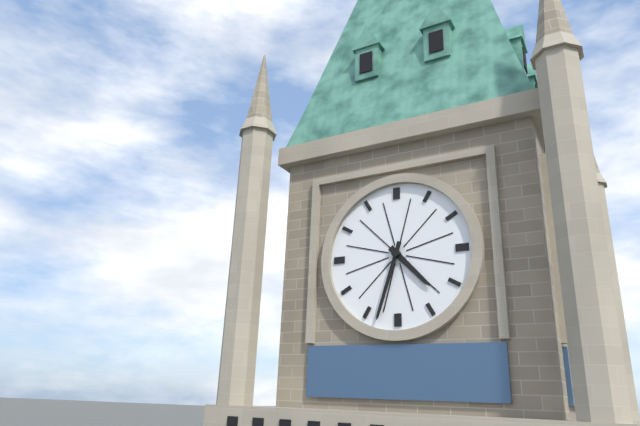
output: 4.33
